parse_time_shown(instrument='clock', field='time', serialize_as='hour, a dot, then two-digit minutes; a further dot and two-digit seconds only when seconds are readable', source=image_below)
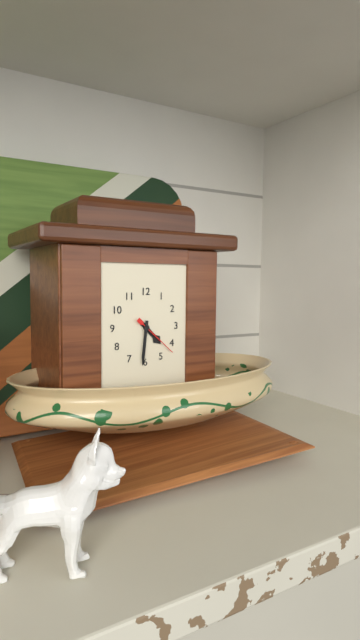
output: 4.31.22
